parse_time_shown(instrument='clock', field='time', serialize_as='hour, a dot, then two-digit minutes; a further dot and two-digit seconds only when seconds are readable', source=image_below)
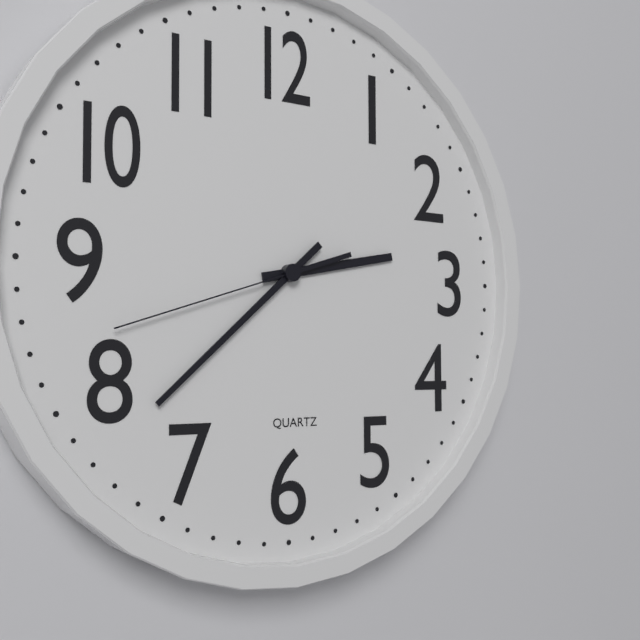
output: 2.38.42
